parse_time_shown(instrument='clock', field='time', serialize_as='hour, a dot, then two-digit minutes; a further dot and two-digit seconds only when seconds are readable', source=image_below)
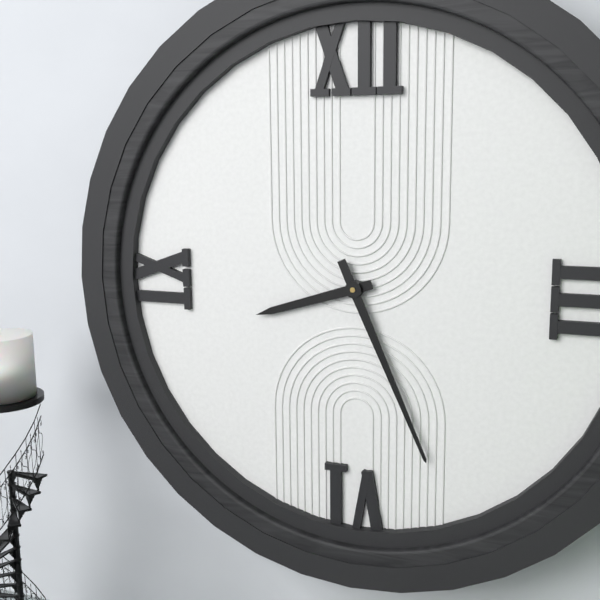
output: 8.26
